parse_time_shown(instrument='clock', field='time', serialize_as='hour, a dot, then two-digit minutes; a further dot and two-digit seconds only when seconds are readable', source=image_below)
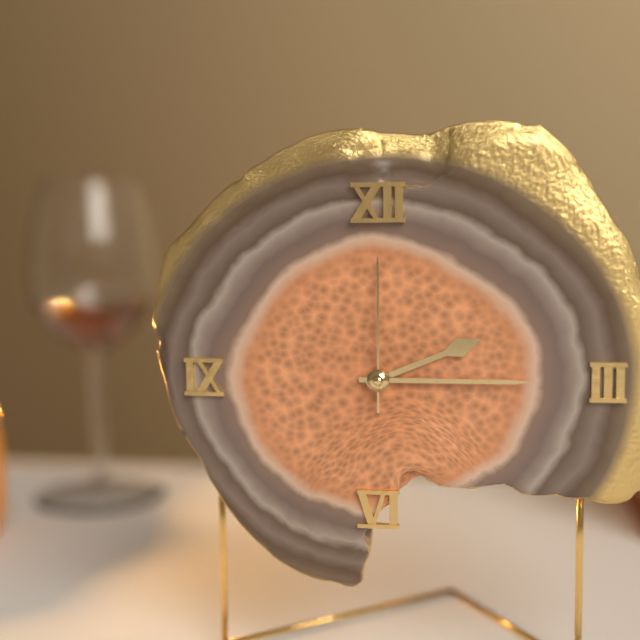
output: 2.15.00
